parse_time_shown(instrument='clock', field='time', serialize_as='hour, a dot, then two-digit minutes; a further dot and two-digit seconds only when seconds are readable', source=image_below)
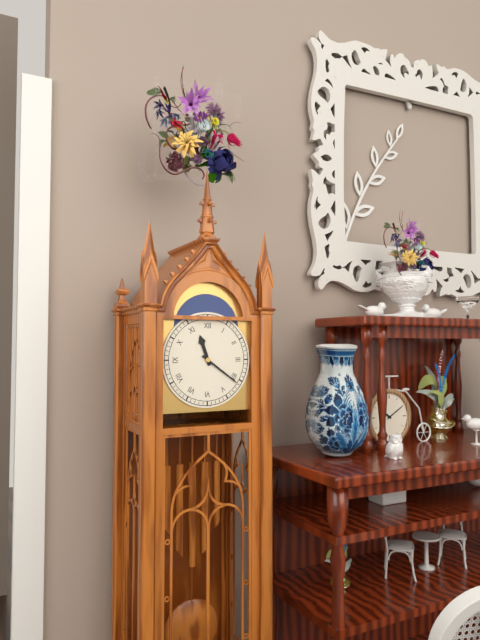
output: 11.21
